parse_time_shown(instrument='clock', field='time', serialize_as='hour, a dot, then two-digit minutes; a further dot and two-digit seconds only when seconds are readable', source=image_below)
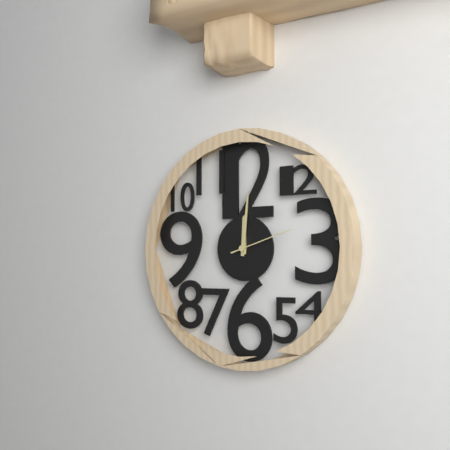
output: 12.01.12
